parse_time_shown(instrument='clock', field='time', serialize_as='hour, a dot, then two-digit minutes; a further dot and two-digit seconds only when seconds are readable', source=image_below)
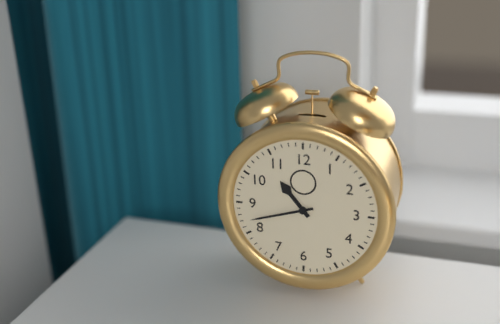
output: 10.42
